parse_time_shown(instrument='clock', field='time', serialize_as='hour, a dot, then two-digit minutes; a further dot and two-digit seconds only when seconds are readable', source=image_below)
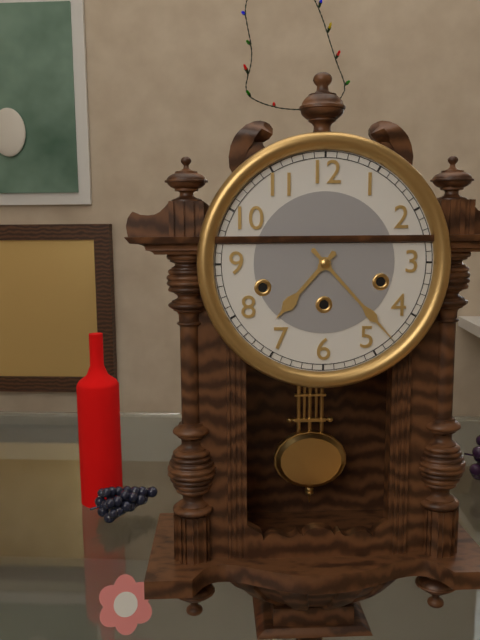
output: 7.23
